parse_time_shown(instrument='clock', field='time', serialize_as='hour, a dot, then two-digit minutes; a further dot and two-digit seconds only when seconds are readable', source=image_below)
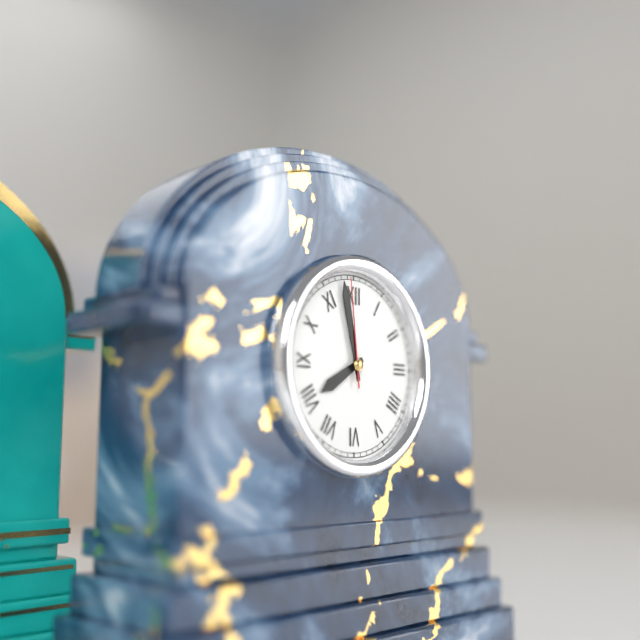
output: 7.58.59
